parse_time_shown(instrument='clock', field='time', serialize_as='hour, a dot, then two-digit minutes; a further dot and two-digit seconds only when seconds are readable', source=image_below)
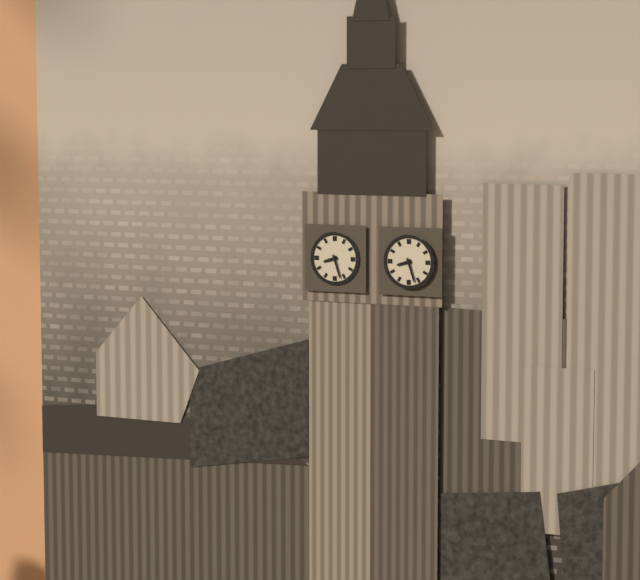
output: 8.27
